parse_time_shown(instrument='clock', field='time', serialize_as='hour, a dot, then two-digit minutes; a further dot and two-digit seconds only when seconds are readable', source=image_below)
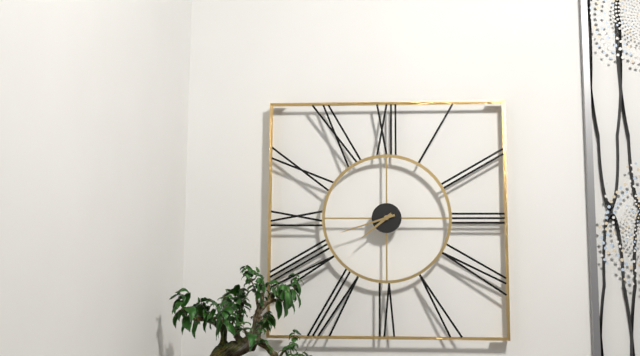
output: 7.42
